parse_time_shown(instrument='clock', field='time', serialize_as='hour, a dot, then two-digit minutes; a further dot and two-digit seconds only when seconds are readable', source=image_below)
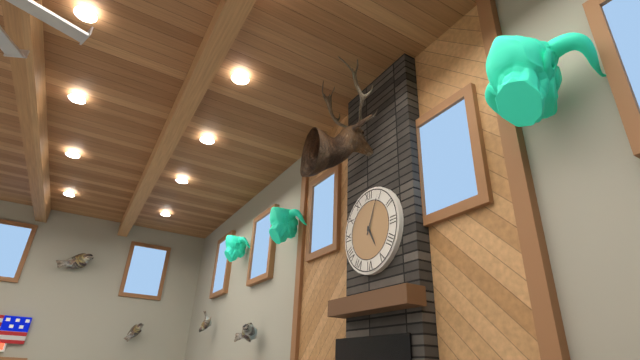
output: 5.04
